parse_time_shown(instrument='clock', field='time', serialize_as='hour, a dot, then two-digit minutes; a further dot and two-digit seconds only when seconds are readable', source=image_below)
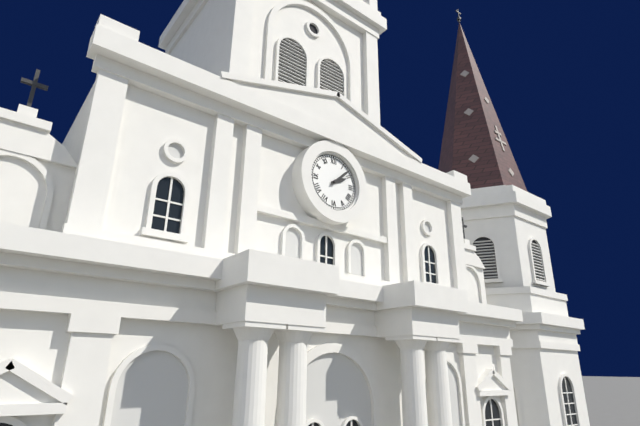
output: 2.08
